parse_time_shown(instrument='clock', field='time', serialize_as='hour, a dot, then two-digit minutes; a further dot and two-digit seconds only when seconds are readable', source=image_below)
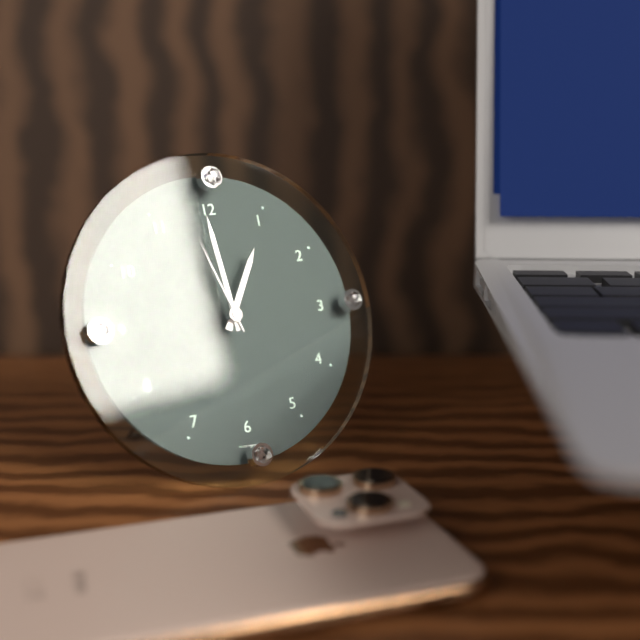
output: 12.59.57
